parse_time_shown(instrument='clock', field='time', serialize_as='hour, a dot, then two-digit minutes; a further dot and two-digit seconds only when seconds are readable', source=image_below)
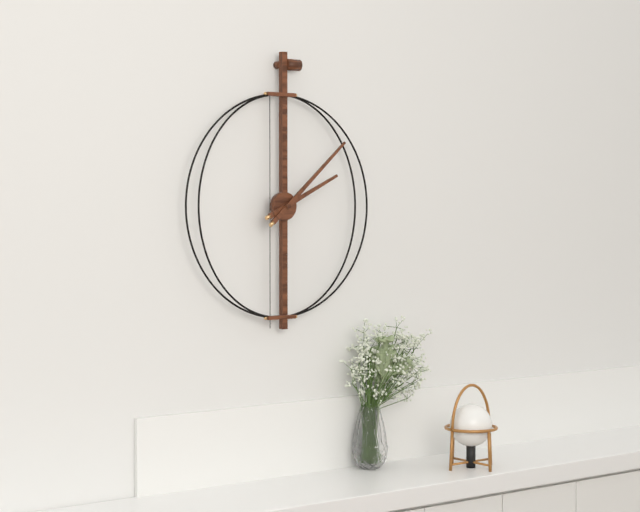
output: 2.08
